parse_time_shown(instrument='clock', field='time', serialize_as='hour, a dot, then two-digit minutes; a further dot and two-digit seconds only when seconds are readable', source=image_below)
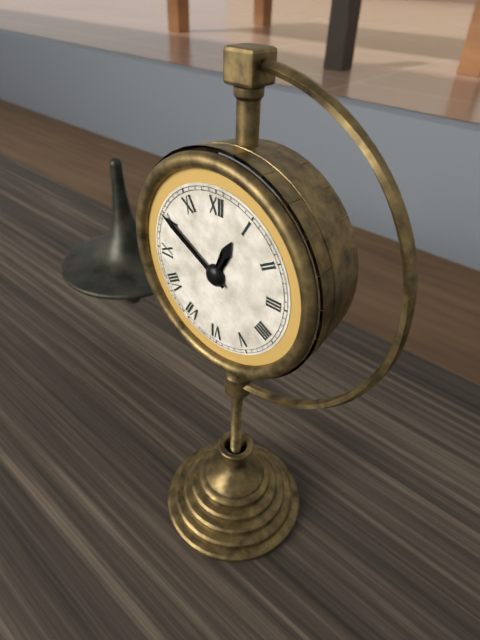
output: 12.50
